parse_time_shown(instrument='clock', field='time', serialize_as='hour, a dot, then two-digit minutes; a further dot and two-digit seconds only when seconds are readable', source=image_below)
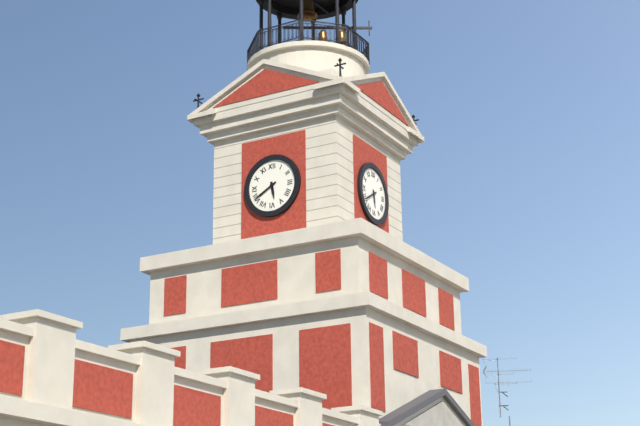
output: 5.40
